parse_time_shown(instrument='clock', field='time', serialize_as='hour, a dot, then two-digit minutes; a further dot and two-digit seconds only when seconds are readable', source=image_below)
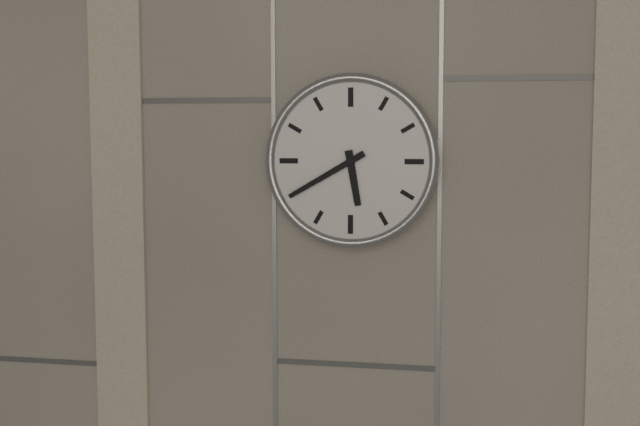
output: 5.40
